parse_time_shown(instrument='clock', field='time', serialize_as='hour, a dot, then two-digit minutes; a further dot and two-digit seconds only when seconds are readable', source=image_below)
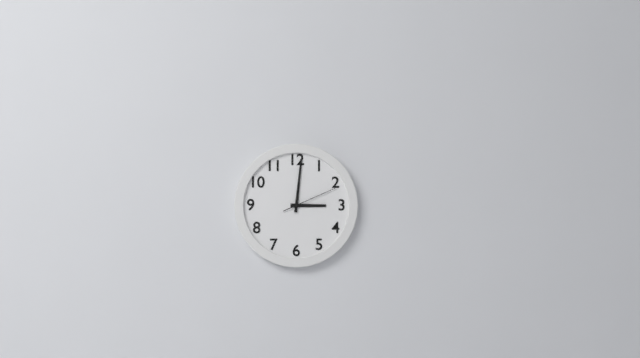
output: 3.01.11
